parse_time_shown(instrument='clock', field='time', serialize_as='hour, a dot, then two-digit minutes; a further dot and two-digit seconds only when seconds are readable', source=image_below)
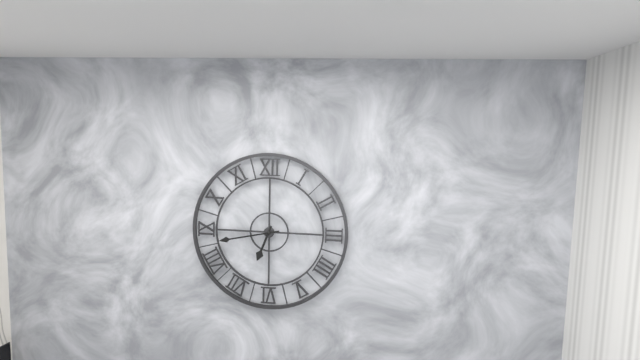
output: 6.43
